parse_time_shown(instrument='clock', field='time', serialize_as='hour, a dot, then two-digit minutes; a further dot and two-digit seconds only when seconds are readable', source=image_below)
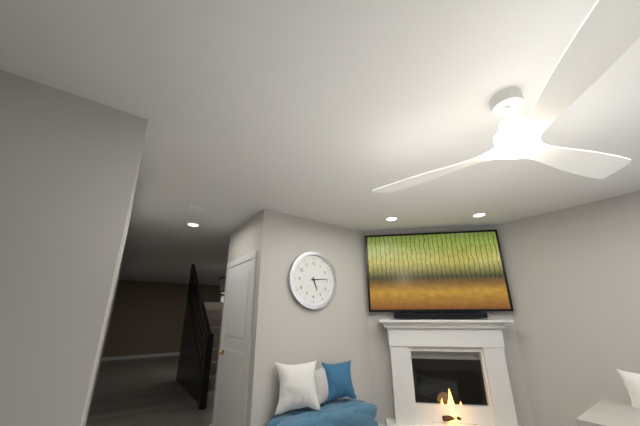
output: 5.14
